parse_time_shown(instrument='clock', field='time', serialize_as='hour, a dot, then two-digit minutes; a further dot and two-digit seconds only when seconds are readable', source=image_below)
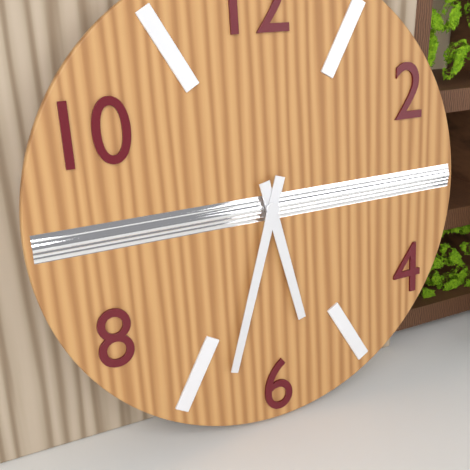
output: 5.33
